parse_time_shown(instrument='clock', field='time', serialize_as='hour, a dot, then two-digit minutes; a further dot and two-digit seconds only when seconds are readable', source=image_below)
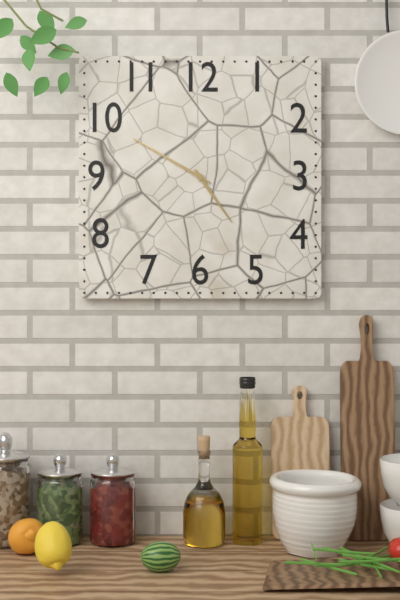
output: 4.50
